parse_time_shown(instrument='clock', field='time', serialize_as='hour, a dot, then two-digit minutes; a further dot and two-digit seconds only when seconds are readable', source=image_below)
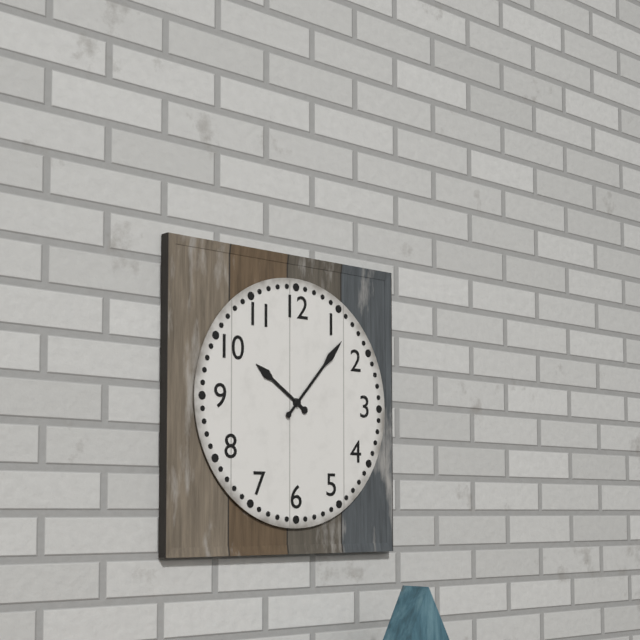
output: 10.07
